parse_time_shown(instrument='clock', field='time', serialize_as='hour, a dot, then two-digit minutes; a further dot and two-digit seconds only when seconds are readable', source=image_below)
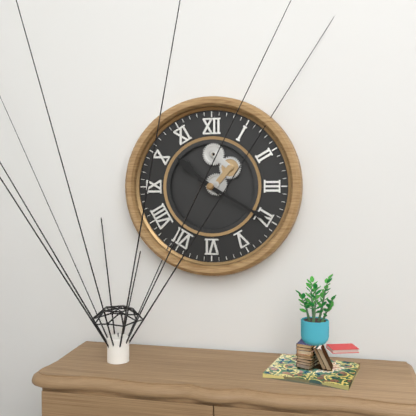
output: 10.20
